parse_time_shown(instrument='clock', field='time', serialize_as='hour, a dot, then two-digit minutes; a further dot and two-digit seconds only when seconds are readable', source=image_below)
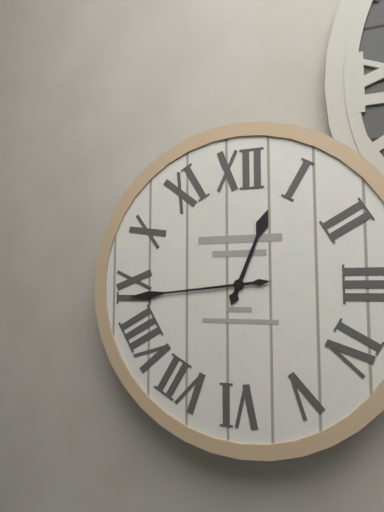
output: 12.44
